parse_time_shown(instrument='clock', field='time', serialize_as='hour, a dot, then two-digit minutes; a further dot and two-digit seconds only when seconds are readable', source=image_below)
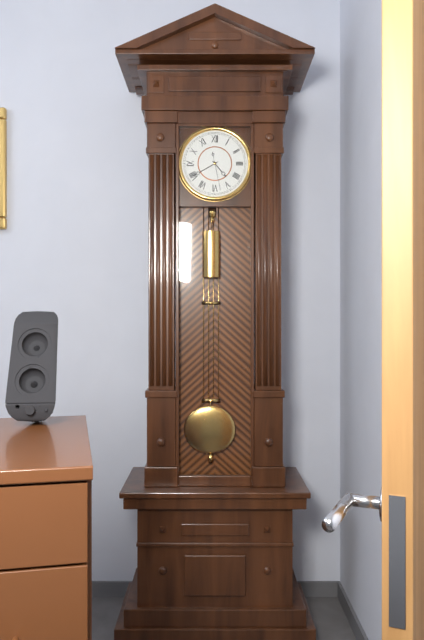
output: 4.40
